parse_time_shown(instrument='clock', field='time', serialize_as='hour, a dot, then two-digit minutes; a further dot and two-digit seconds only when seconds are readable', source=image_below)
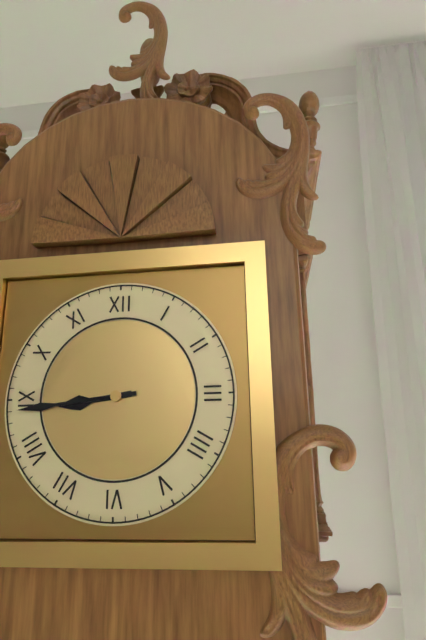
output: 8.44
